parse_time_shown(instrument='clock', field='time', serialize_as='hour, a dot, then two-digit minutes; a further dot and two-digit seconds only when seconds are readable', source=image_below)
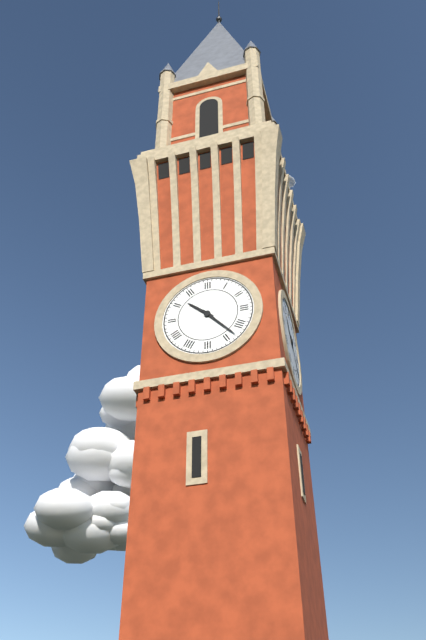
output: 10.23
